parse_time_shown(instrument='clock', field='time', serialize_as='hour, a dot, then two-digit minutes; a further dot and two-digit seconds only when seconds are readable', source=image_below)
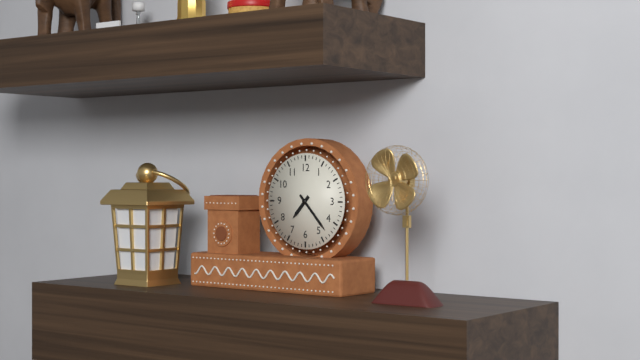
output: 7.23
